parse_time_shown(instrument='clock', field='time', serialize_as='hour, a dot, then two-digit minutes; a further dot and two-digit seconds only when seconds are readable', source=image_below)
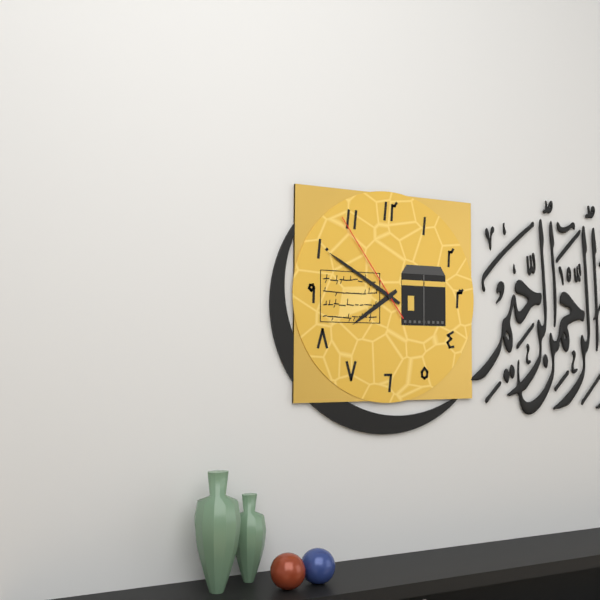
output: 7.50.54
